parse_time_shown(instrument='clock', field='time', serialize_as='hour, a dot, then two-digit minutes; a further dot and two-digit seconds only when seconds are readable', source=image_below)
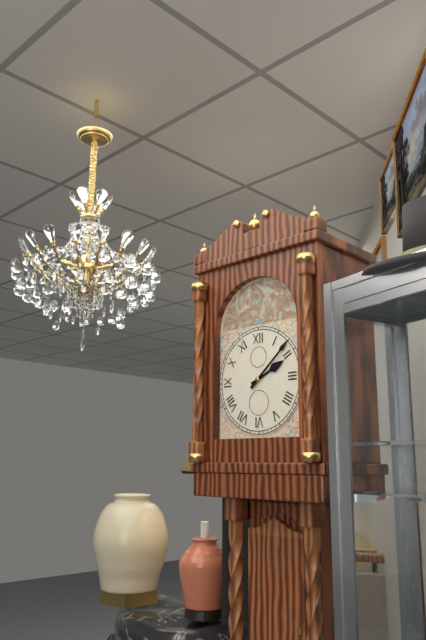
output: 2.08
